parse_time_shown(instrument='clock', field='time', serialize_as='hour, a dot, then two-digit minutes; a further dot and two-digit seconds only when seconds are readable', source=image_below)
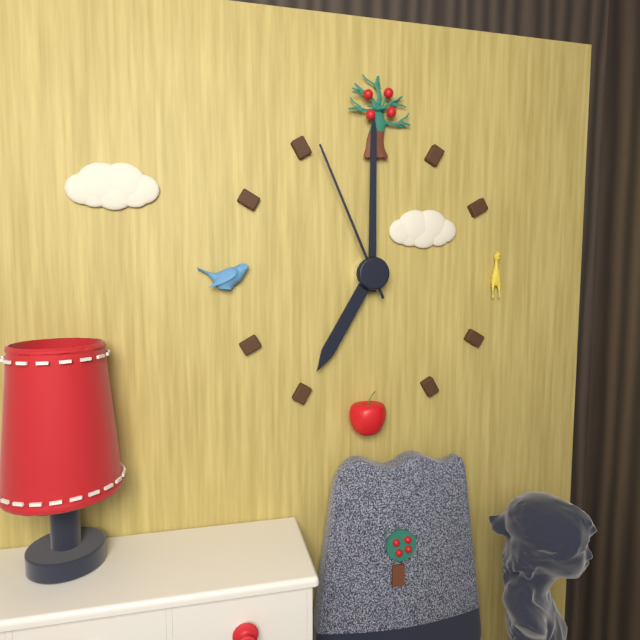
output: 7.00.56
